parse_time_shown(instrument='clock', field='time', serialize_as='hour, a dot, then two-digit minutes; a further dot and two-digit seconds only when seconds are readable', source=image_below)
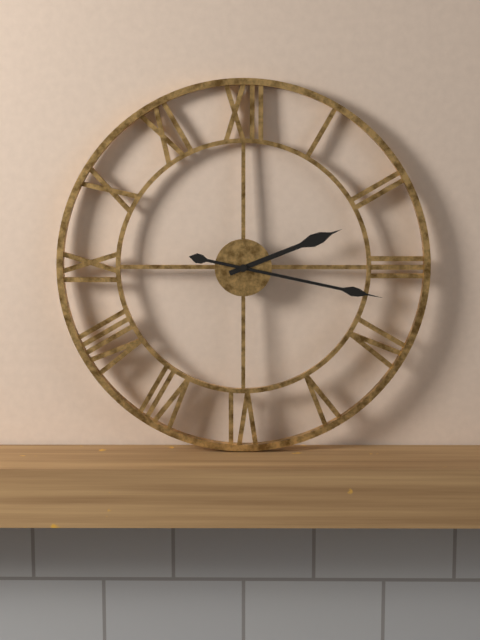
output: 2.17
